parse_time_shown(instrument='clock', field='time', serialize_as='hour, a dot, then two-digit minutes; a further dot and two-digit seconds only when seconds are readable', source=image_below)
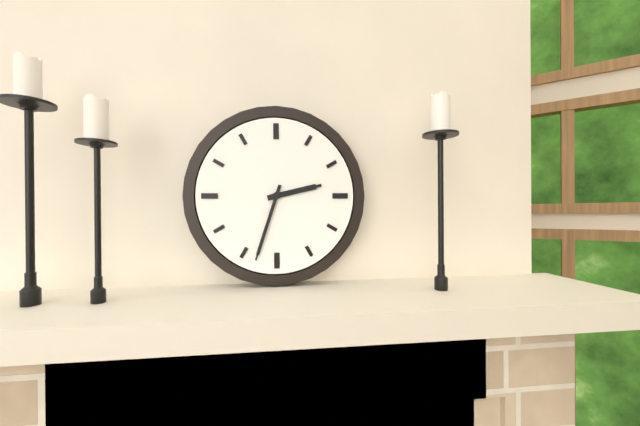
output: 2.33
